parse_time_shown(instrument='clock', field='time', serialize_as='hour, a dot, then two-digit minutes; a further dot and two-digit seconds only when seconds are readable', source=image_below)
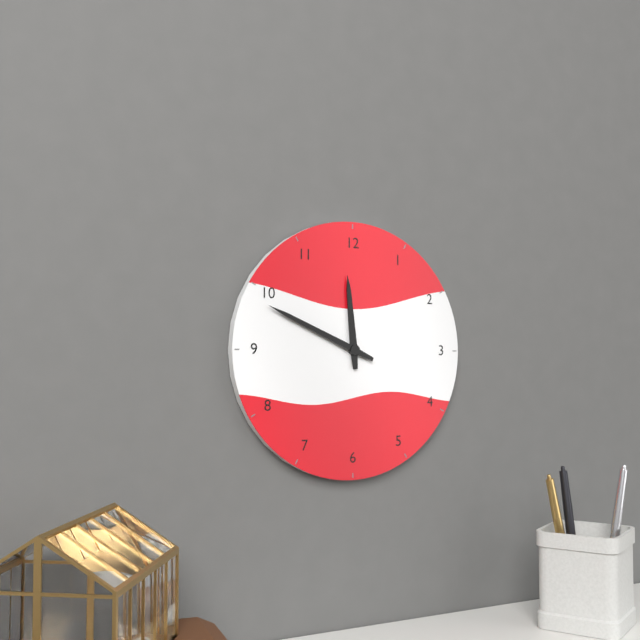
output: 11.49
